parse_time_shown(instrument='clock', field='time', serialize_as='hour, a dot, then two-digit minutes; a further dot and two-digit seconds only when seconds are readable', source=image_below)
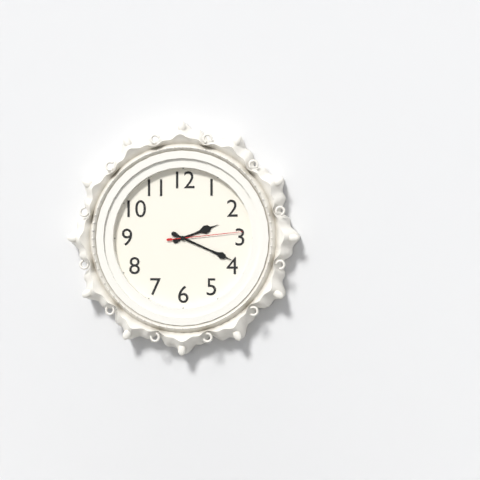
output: 2.19.14
